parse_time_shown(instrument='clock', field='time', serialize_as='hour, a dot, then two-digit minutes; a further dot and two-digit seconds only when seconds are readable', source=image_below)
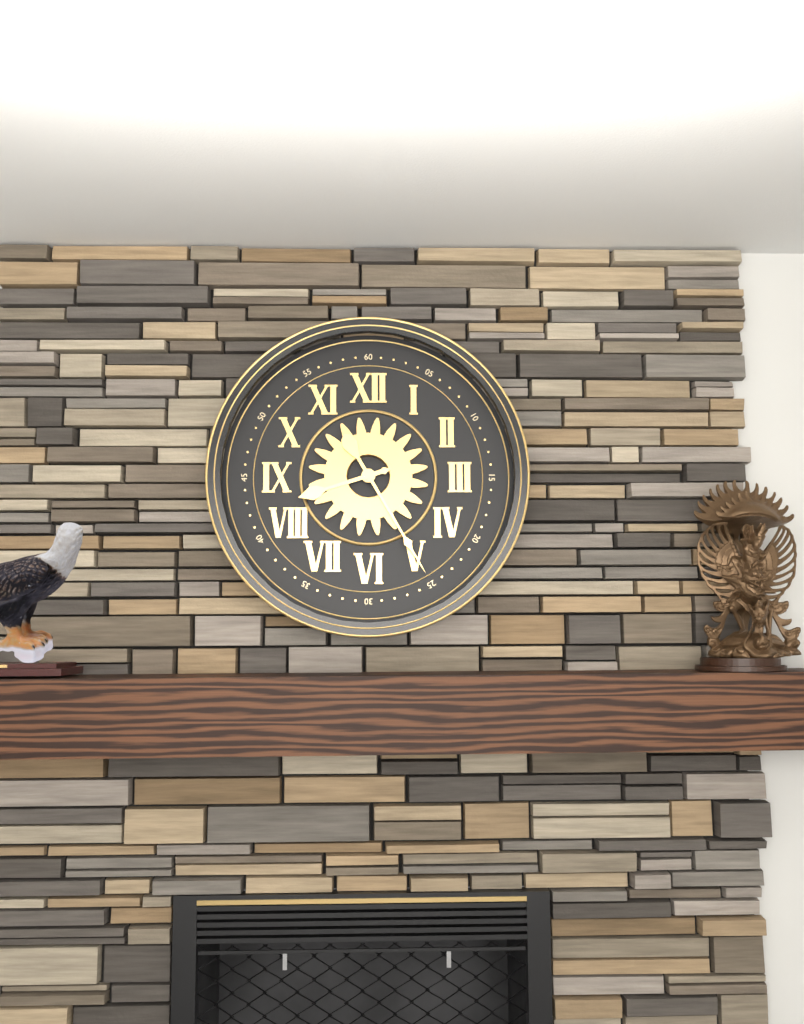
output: 8.25
